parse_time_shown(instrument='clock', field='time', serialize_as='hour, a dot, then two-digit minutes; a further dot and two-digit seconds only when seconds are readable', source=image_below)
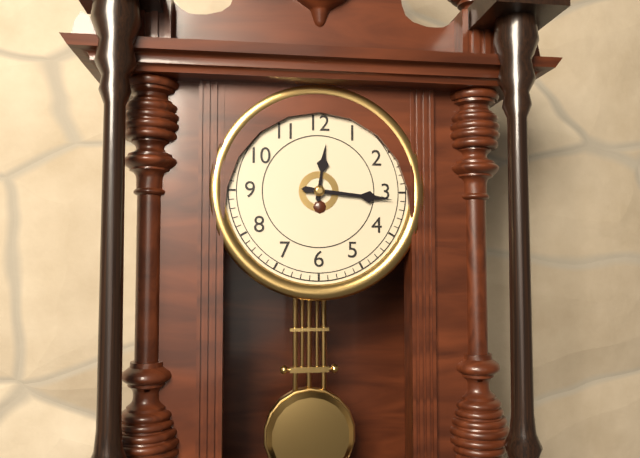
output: 12.16
